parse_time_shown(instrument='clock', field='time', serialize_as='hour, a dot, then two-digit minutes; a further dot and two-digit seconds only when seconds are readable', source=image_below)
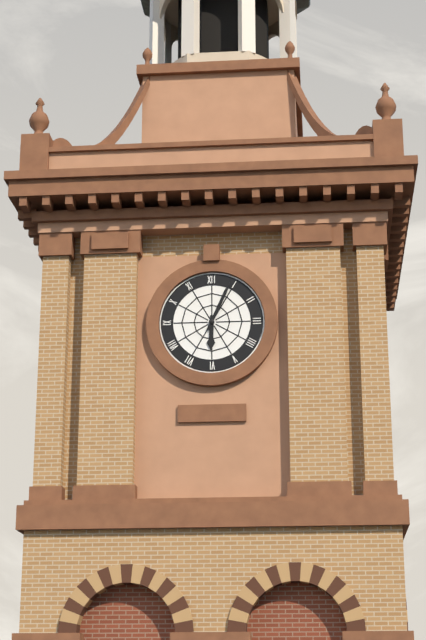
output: 6.04
